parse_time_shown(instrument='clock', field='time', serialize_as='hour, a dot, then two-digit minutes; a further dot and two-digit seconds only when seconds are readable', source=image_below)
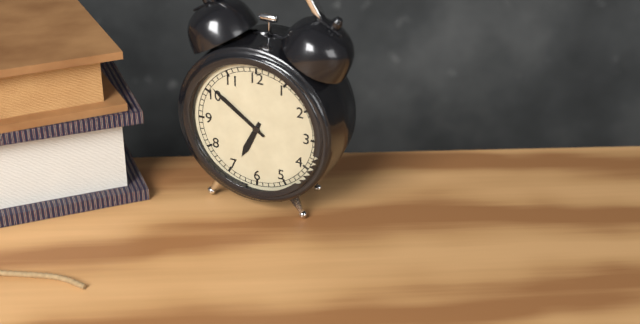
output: 6.51
